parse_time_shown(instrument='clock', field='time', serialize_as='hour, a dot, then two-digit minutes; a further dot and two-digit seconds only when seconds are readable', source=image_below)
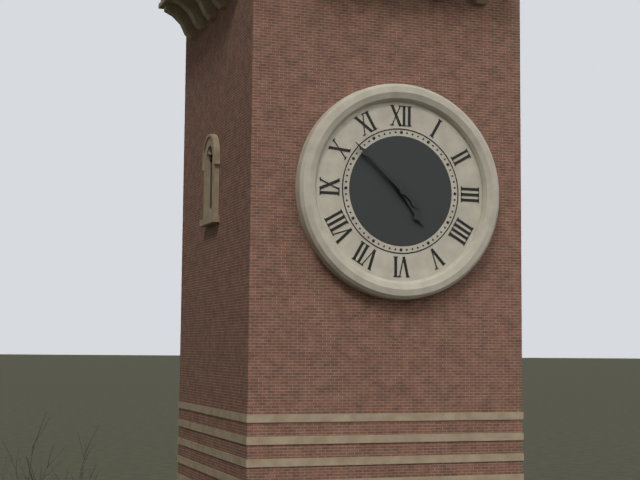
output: 4.52
